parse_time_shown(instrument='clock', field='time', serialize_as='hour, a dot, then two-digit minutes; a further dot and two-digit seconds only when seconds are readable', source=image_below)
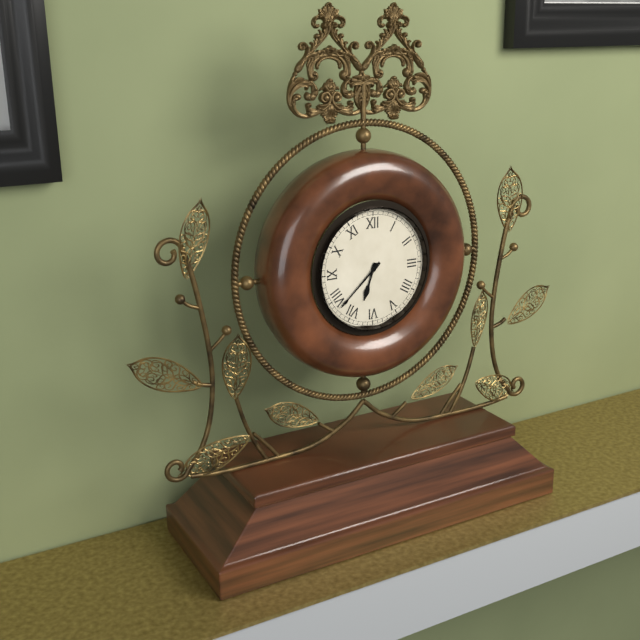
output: 6.38
